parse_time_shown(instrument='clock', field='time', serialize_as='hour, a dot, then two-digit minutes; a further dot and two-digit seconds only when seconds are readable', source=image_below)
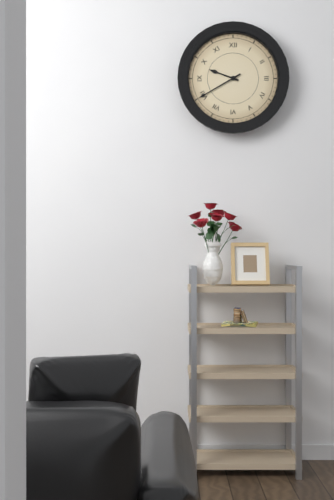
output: 9.40
